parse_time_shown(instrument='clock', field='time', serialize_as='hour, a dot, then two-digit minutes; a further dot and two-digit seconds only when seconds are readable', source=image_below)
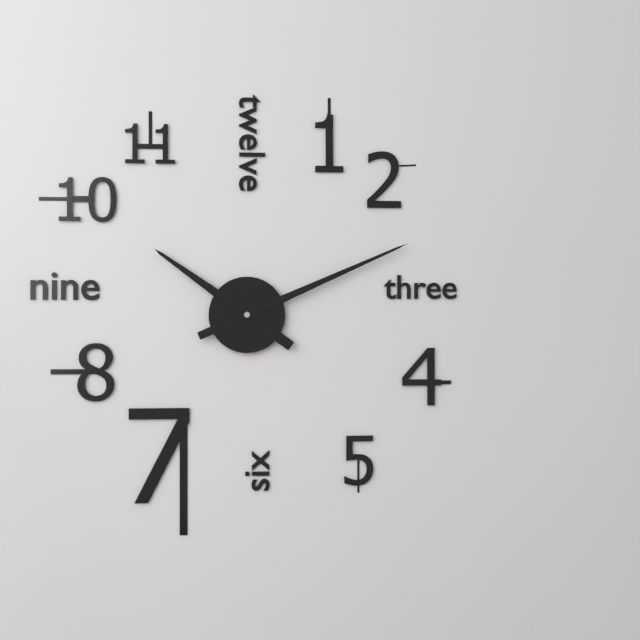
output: 10.11
